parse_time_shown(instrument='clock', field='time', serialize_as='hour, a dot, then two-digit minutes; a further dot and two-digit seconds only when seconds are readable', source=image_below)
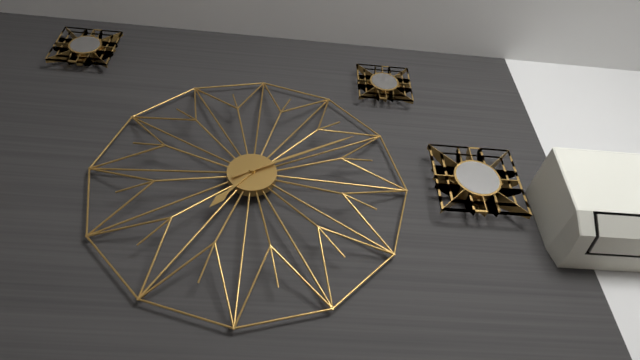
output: 7.10
